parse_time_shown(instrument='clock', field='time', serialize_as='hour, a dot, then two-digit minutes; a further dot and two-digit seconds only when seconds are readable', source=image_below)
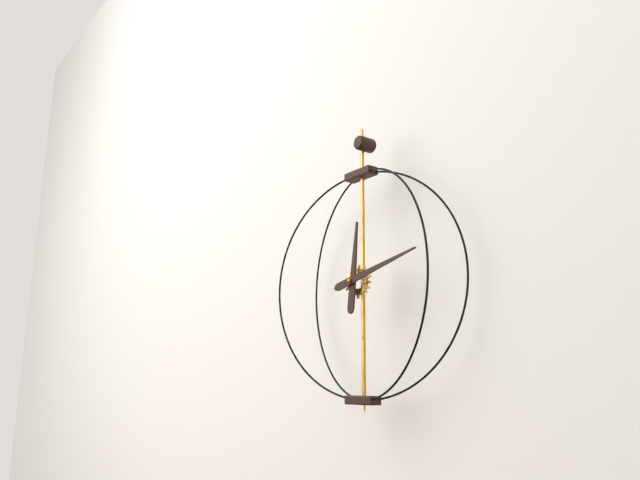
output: 12.13
